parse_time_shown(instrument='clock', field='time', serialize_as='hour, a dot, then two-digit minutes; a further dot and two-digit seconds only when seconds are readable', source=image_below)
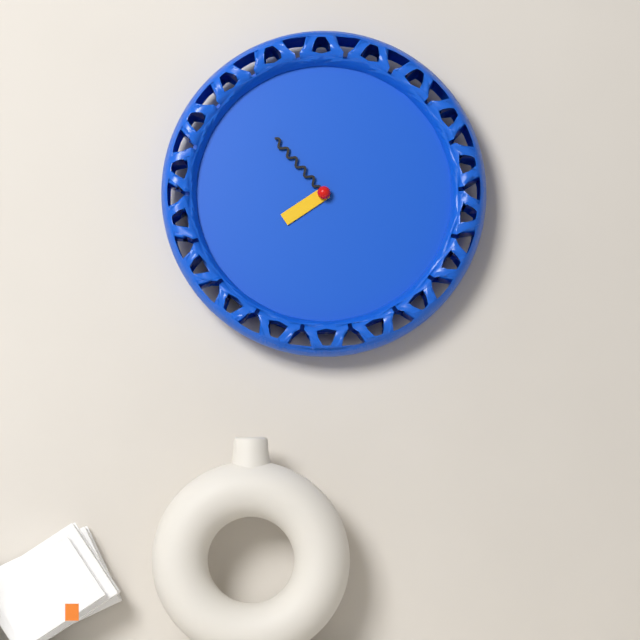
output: 7.53
